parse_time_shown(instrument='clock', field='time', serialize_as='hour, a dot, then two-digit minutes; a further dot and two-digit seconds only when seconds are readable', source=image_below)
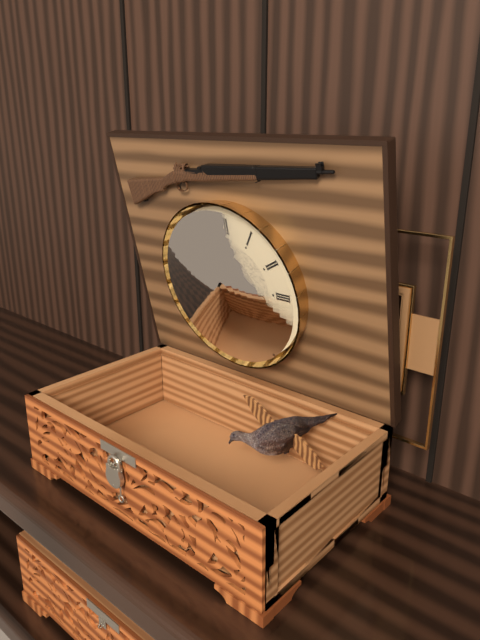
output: 9.44.47
